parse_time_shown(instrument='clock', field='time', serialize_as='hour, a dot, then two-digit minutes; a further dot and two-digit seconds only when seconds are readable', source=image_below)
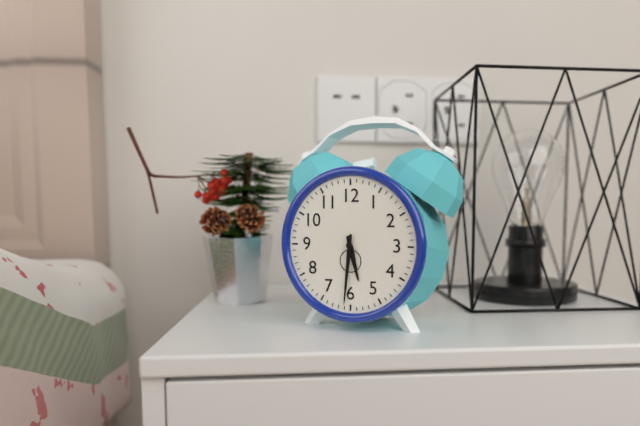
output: 5.31
